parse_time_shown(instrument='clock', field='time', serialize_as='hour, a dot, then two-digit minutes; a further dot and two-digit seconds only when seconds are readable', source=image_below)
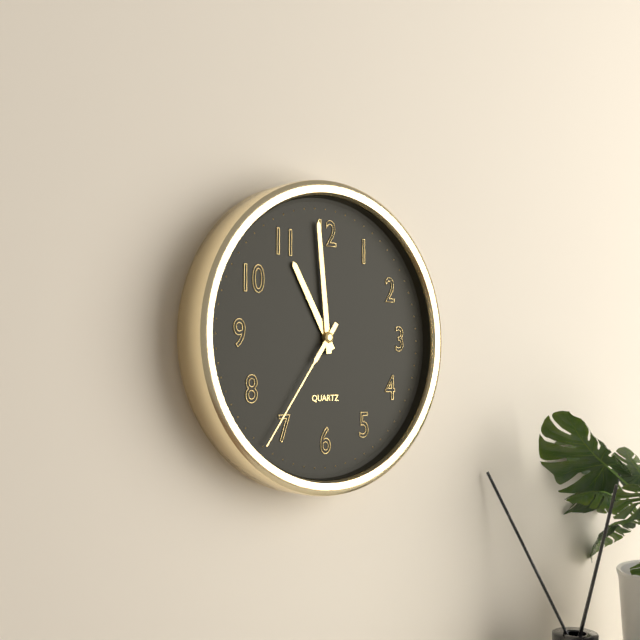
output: 10.59.36
